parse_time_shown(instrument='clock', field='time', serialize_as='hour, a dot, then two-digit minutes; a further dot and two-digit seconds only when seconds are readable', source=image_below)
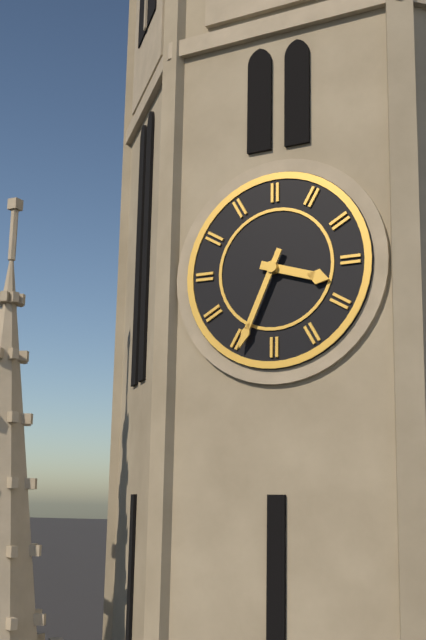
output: 3.34
